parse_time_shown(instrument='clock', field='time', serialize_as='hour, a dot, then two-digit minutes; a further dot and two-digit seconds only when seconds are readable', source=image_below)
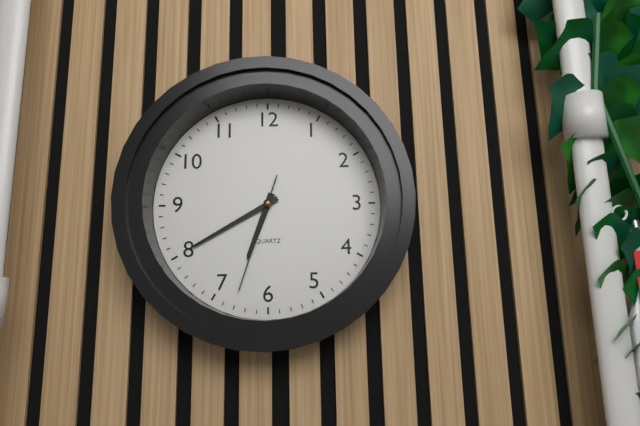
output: 6.40.33
